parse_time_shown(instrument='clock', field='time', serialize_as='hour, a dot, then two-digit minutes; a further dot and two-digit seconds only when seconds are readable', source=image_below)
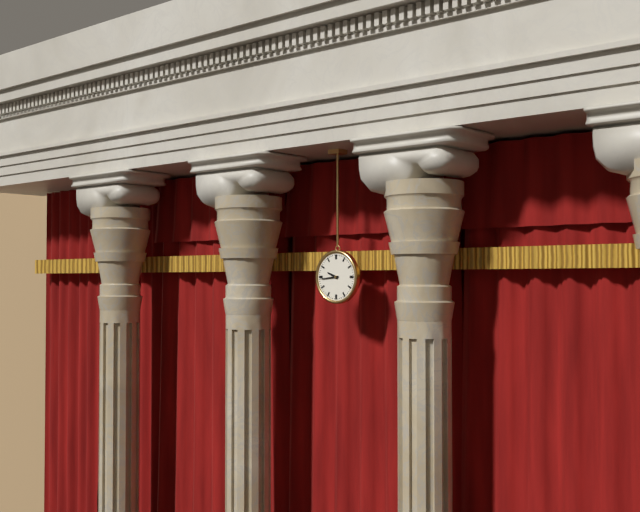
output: 9.44
